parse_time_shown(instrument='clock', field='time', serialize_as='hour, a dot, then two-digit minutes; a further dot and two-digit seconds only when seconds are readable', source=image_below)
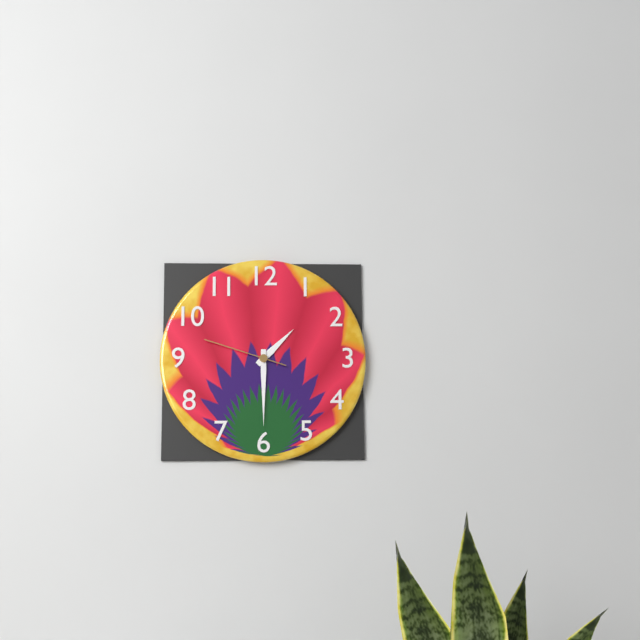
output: 1.30.48
